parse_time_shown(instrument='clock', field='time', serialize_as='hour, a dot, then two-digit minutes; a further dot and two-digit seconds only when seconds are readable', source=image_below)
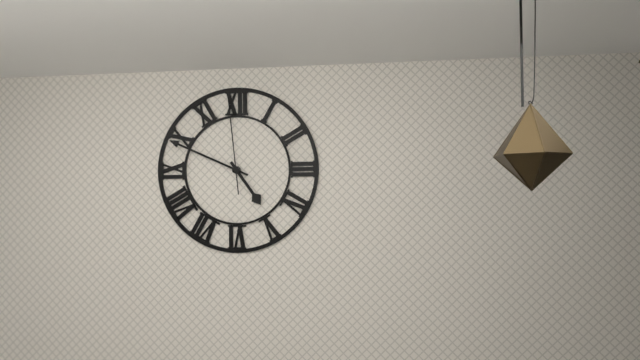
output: 4.49.59
